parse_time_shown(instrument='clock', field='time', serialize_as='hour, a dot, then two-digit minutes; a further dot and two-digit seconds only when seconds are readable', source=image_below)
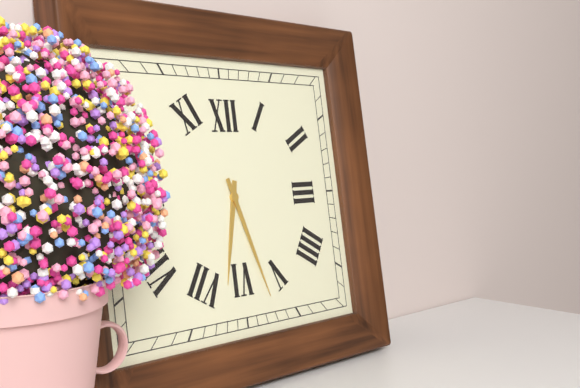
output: 6.27
